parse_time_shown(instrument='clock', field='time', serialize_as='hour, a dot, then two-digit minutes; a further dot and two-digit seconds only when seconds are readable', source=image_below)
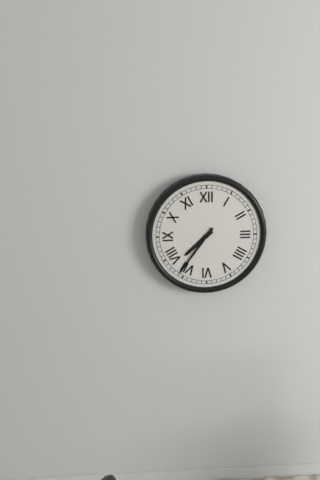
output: 7.36
